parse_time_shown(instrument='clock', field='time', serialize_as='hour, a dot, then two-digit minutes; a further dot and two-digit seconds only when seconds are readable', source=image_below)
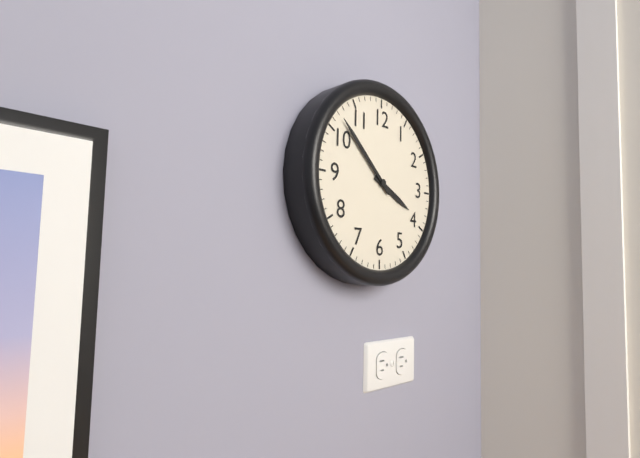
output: 3.52
